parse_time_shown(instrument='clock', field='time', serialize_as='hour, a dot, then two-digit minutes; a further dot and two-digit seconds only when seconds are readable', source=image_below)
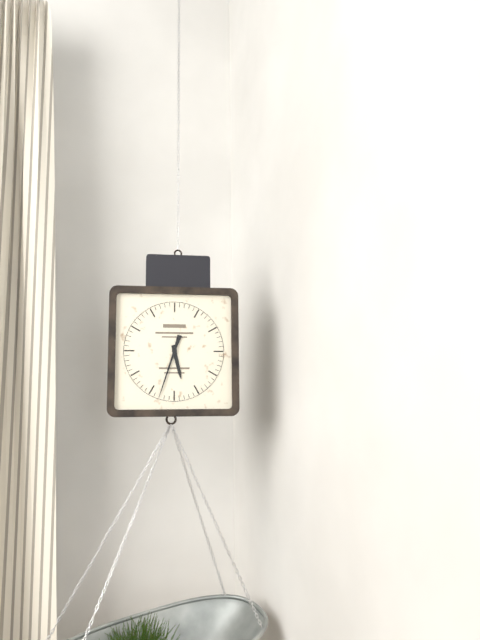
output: 5.33
